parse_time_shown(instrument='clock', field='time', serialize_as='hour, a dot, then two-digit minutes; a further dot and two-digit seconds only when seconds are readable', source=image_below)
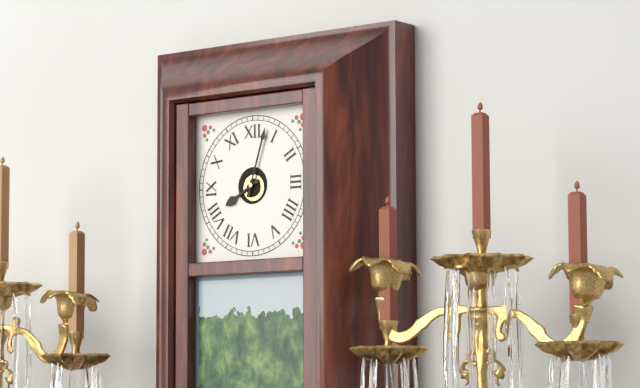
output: 8.03
